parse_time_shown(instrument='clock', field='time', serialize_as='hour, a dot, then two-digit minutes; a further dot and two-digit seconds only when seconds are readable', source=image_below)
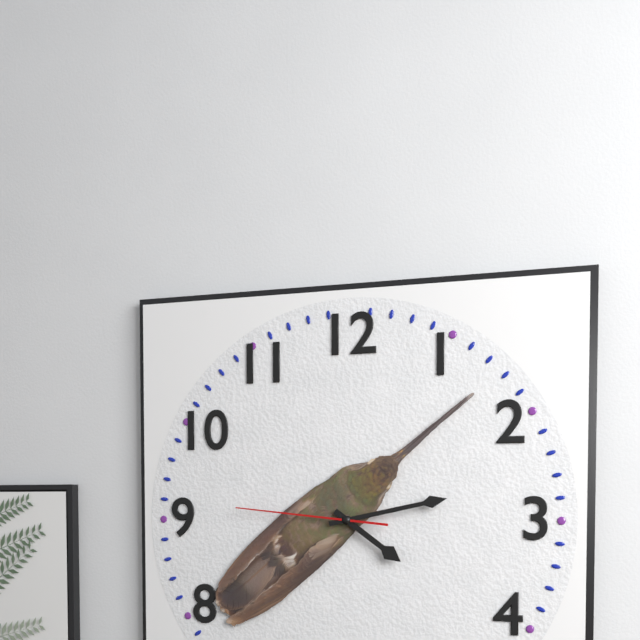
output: 4.13.46
